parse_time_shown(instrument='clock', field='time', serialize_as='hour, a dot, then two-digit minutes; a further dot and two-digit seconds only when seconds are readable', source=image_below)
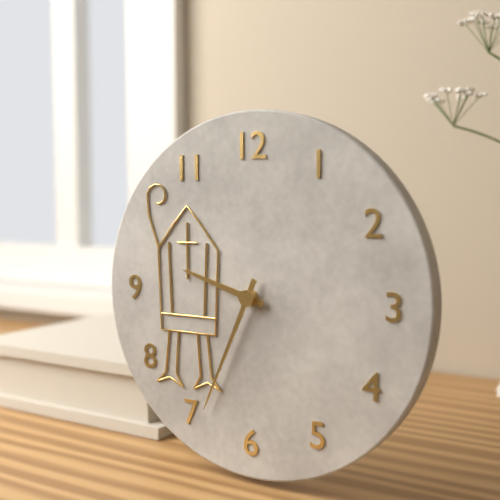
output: 9.34
